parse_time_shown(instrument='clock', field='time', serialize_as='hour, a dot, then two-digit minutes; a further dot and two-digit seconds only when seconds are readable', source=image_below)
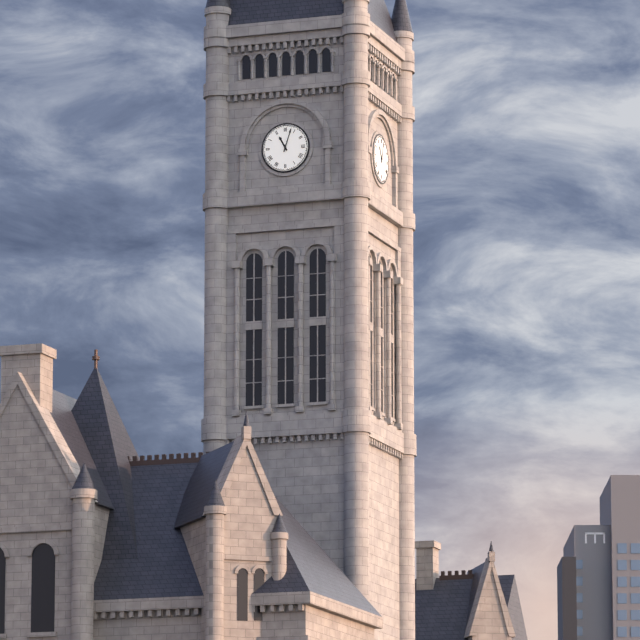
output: 11.03
